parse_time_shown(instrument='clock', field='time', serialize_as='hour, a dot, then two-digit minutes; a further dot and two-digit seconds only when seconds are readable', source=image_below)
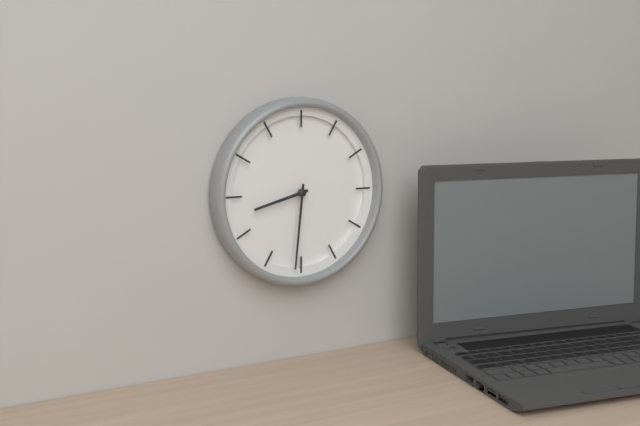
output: 8.31
